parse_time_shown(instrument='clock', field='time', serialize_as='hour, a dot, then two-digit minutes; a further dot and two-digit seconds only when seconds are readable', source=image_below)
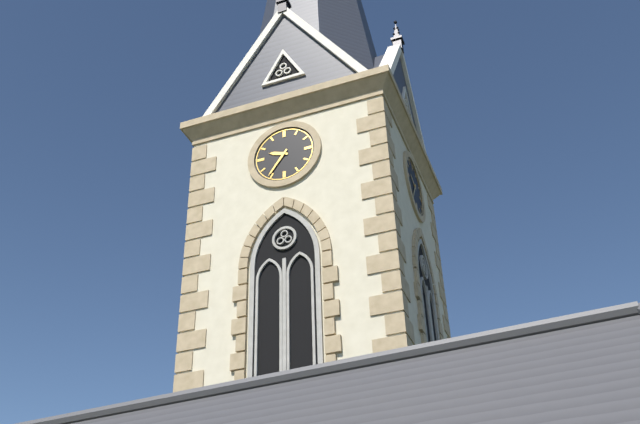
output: 9.36
